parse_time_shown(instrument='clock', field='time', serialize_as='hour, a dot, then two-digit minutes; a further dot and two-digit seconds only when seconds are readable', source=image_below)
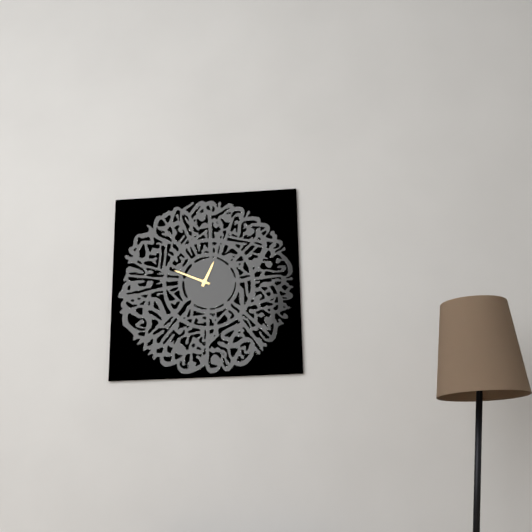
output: 12.49
